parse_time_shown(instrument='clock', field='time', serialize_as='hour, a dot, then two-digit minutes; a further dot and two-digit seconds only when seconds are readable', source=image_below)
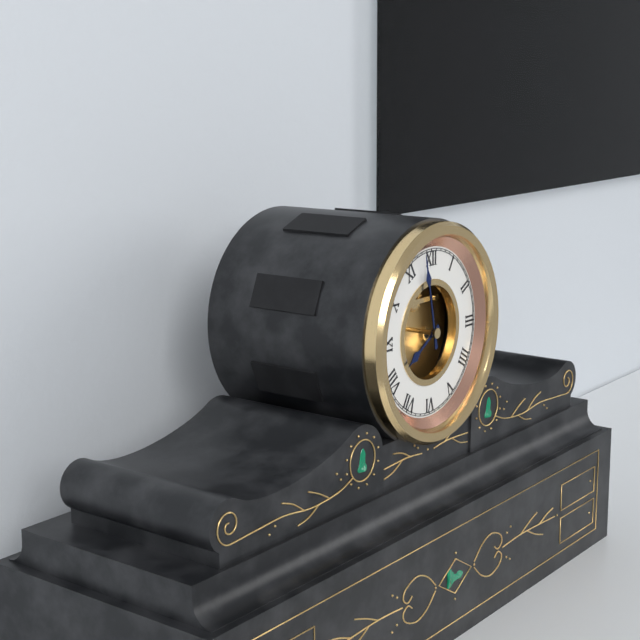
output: 7.58
